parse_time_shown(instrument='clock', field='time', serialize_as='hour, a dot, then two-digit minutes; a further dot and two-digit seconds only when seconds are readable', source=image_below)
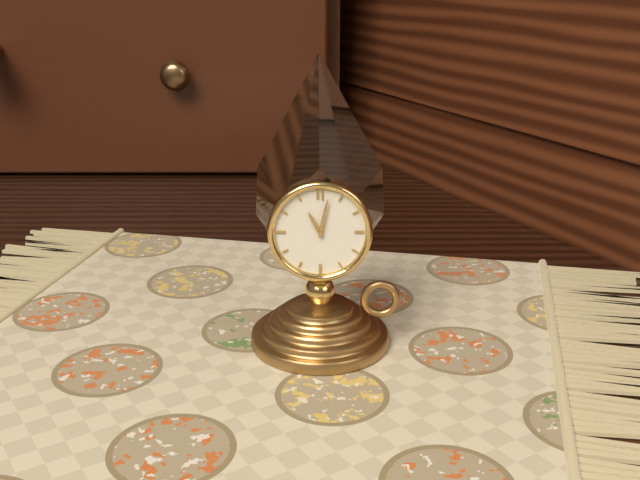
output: 11.02
